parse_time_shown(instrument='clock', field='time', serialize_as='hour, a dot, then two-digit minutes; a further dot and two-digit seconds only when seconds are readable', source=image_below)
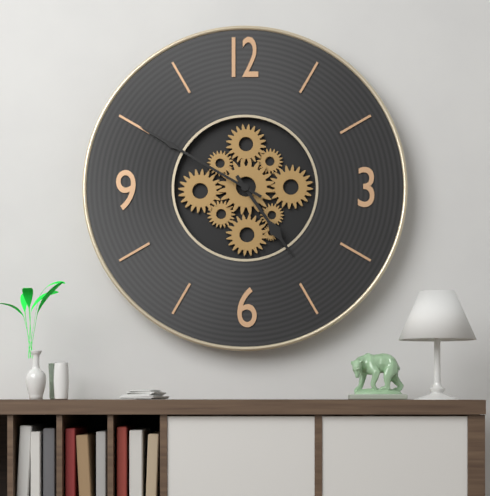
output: 4.50
